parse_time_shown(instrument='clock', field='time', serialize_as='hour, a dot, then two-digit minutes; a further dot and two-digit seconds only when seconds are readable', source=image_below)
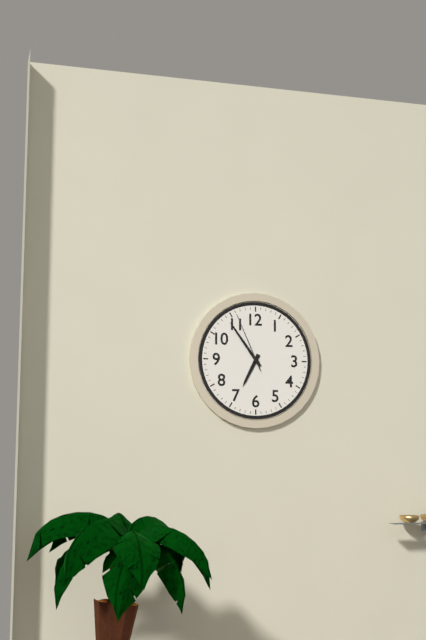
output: 6.54.56
